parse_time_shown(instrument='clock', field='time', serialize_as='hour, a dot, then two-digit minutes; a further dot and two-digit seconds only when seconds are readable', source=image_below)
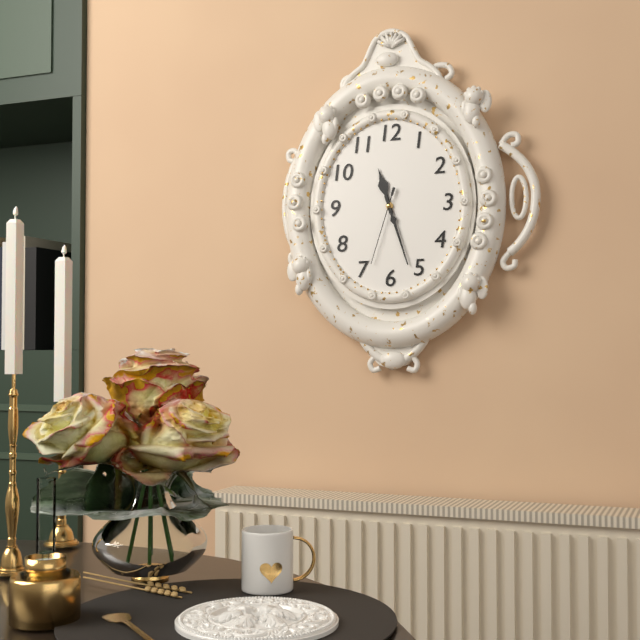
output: 11.27.33
